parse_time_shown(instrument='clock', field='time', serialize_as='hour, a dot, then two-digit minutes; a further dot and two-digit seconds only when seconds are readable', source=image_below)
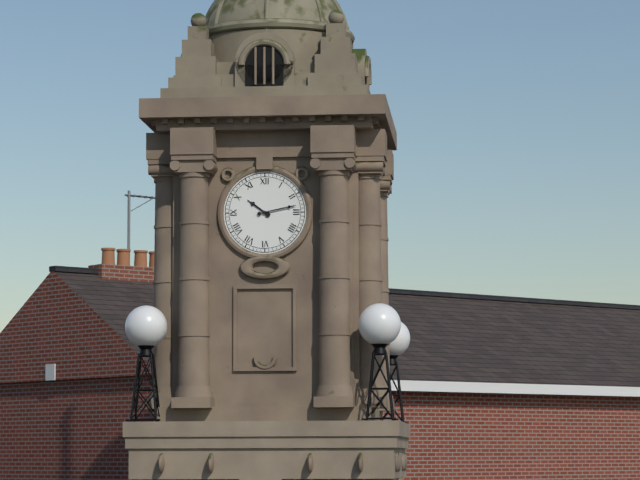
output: 10.13
